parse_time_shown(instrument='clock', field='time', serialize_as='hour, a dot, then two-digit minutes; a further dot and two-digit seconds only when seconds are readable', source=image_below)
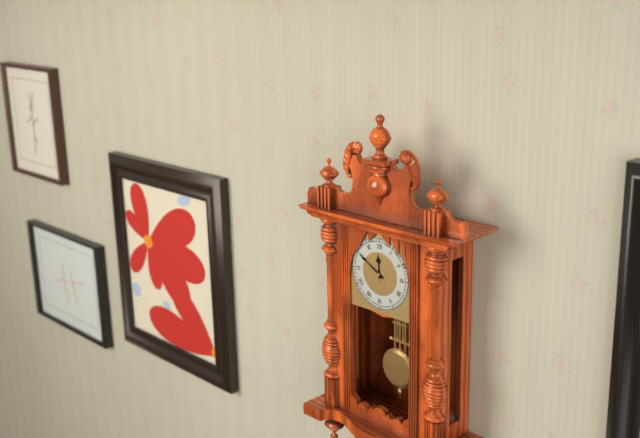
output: 11.50
